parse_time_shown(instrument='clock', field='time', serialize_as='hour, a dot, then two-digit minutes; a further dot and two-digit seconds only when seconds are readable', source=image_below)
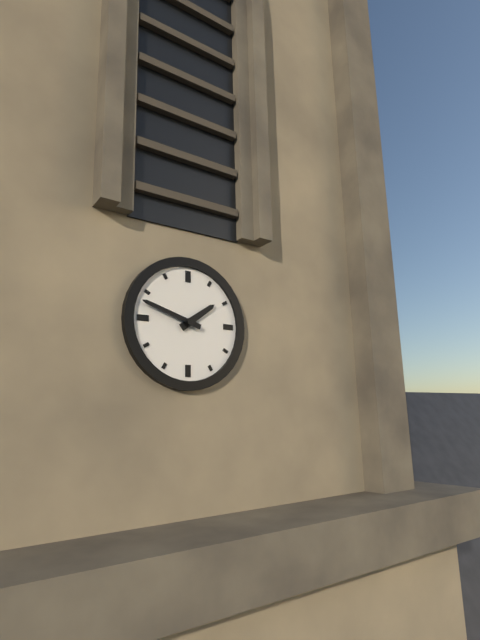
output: 1.48
